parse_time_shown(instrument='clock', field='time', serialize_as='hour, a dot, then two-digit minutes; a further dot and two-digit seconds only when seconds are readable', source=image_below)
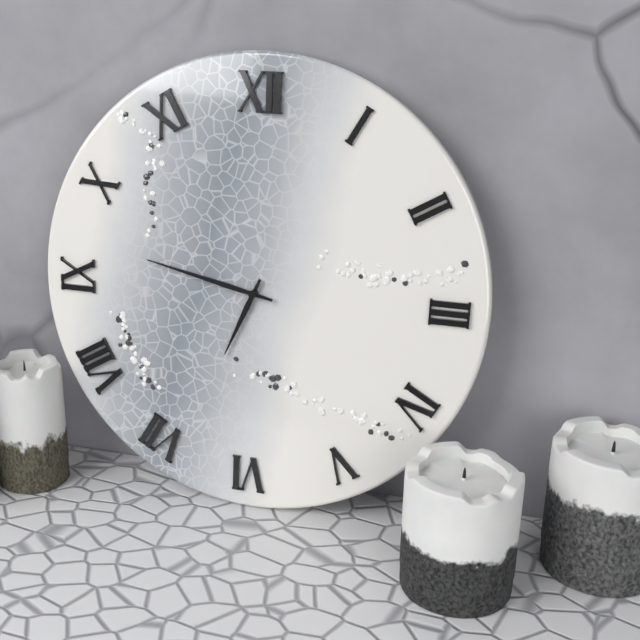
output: 6.47
